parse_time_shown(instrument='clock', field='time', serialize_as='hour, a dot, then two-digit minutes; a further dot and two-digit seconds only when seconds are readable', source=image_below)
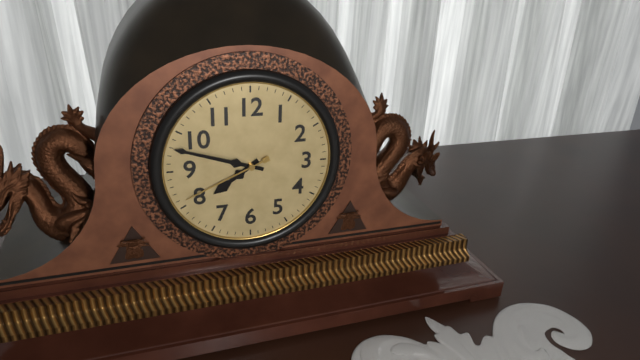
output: 7.48.41
